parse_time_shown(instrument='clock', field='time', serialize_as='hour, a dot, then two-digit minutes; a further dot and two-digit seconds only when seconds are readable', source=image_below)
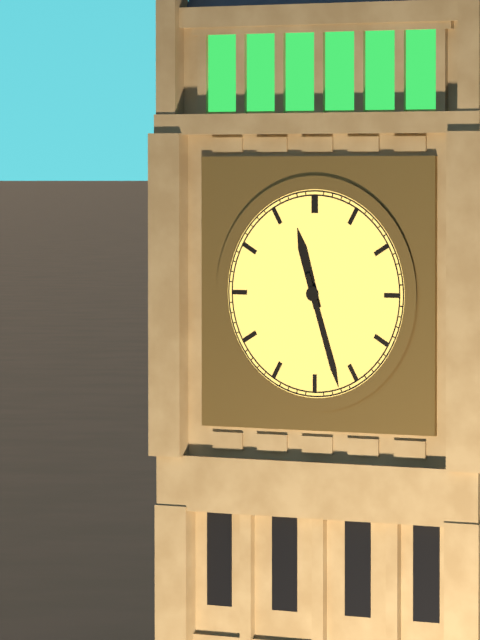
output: 11.27
